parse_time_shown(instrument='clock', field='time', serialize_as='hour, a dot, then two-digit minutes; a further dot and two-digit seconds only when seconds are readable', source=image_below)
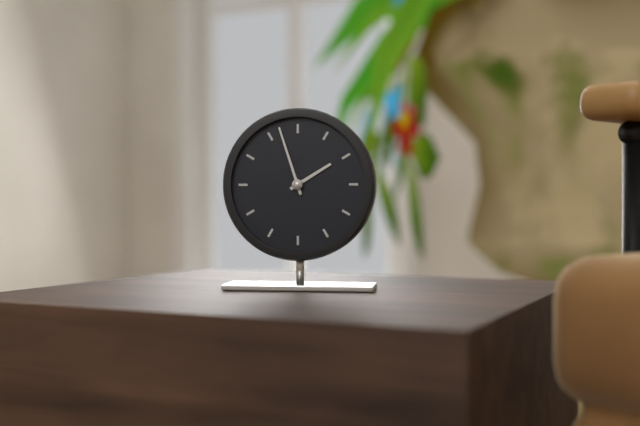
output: 1.57
